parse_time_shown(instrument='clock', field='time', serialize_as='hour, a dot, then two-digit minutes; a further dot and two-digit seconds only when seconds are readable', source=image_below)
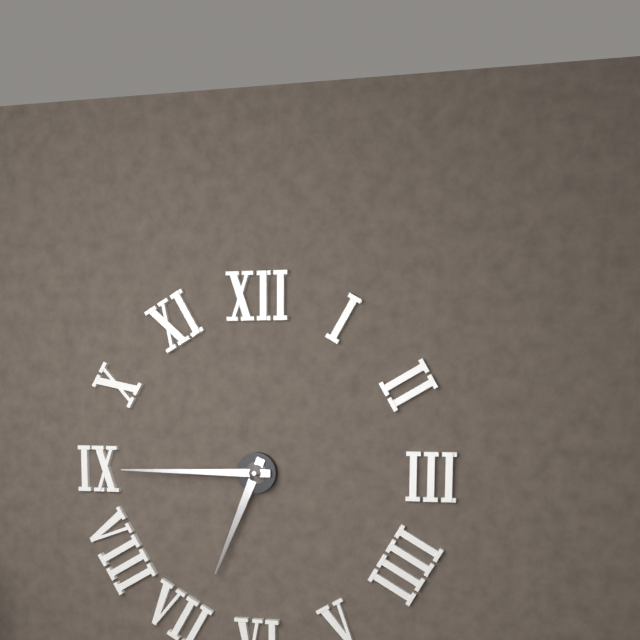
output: 6.45
